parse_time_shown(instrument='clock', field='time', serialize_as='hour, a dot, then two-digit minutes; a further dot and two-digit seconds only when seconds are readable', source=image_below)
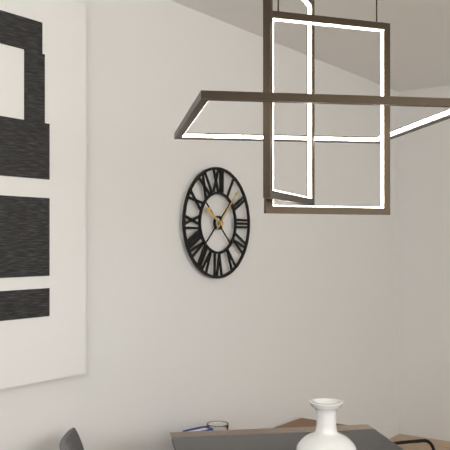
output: 10.07
